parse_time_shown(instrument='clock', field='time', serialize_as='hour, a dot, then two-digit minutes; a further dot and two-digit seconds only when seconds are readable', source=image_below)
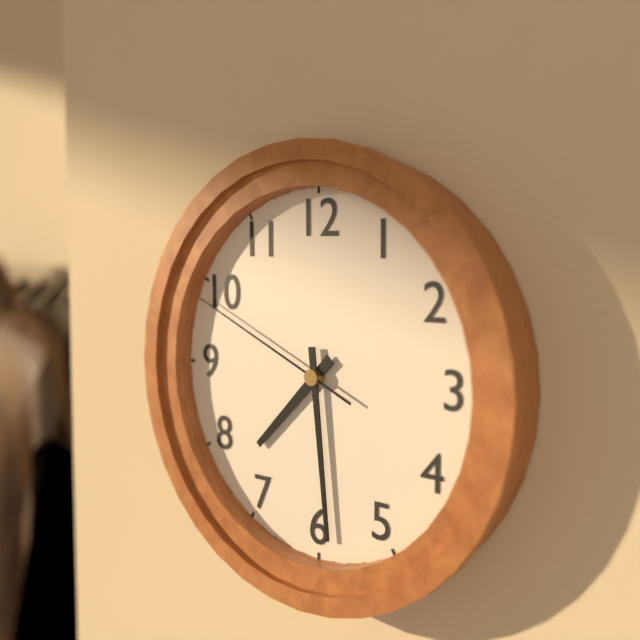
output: 7.29.49
